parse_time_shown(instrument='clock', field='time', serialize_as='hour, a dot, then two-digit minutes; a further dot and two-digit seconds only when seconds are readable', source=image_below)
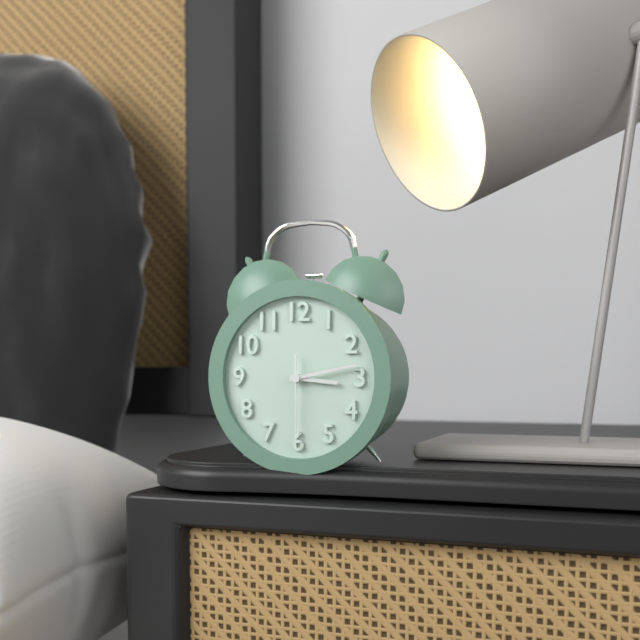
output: 3.13.30
